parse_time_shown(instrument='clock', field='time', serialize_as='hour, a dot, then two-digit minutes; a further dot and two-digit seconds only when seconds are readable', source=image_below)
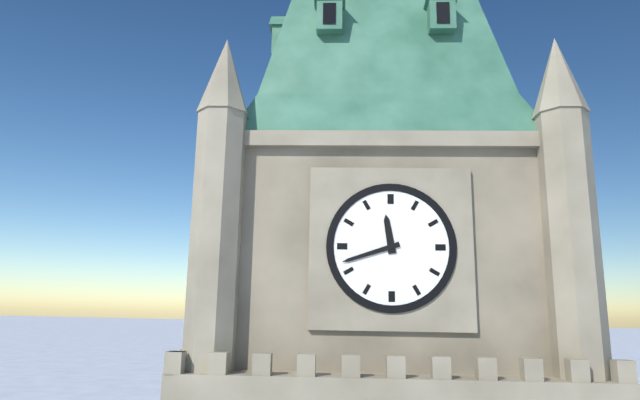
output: 11.42
